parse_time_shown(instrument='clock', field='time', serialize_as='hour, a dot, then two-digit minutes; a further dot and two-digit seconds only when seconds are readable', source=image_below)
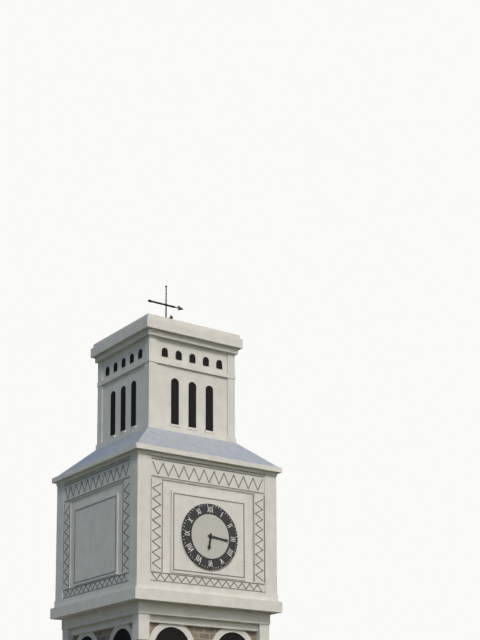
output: 6.16
